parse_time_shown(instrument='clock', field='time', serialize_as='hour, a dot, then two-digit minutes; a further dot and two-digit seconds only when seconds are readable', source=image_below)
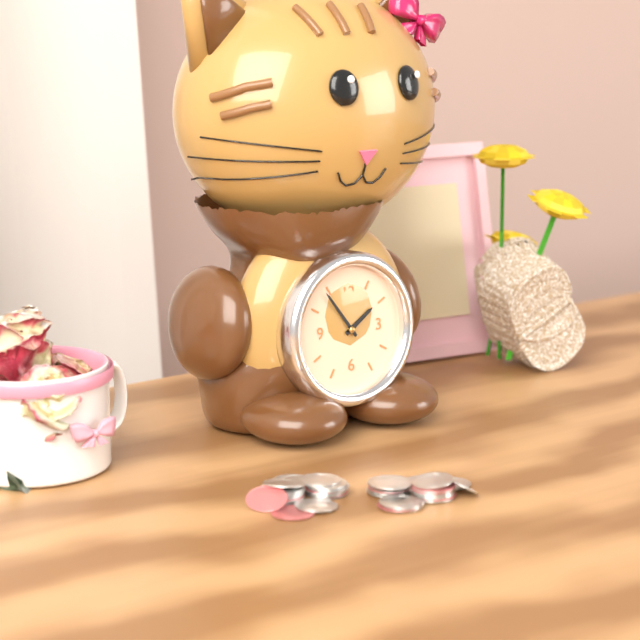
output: 1.54
